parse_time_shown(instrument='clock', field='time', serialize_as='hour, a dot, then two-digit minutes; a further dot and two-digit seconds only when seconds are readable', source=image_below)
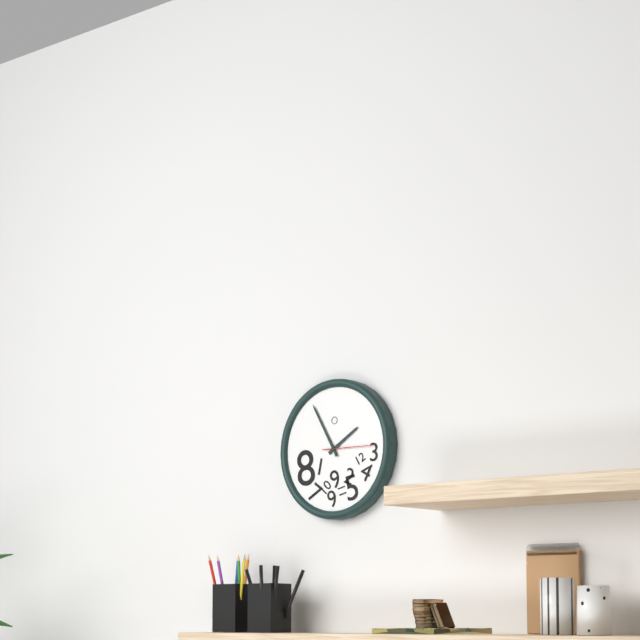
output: 1.55.15
